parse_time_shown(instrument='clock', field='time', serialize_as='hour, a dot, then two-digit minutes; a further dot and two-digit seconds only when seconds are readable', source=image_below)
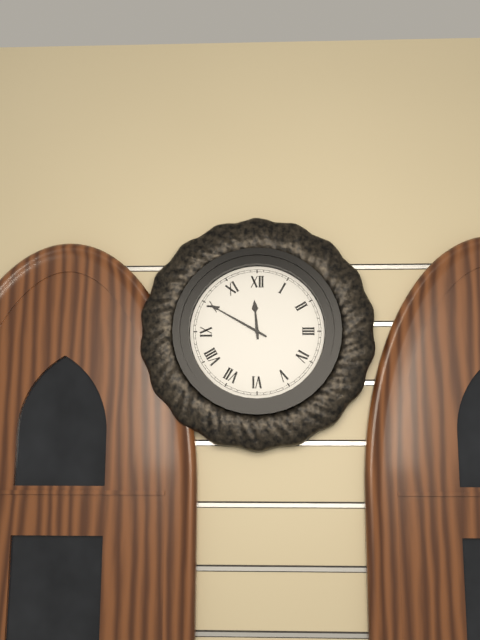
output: 11.50
